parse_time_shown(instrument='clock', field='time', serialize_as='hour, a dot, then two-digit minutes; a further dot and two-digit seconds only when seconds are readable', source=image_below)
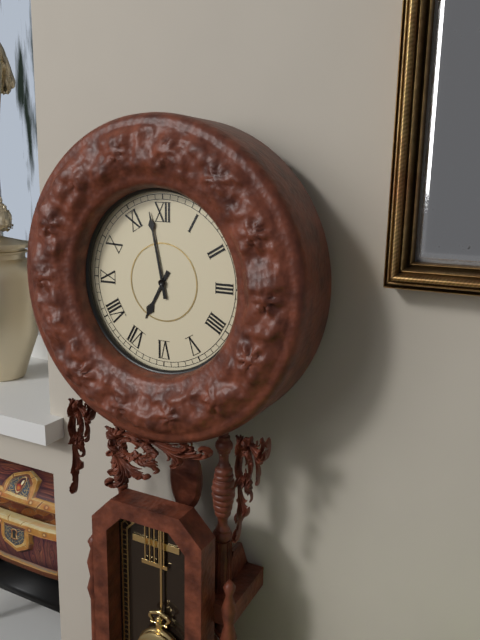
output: 6.58
